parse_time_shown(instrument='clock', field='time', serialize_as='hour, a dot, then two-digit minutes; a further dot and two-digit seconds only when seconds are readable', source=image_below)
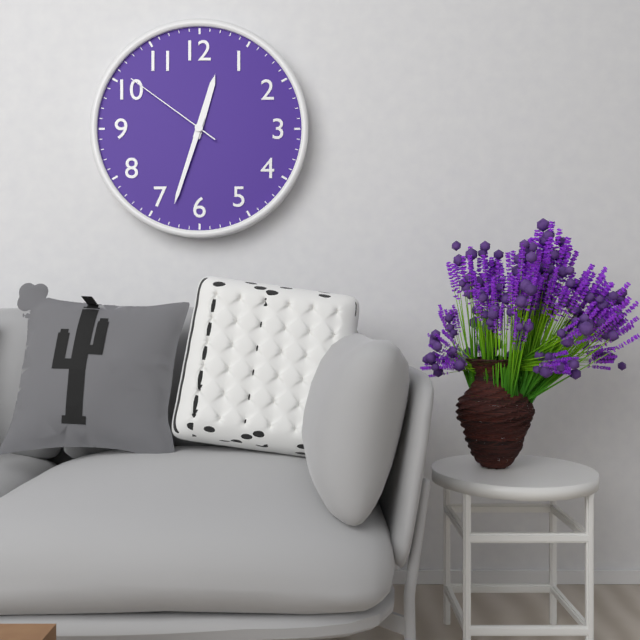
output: 12.33.51
